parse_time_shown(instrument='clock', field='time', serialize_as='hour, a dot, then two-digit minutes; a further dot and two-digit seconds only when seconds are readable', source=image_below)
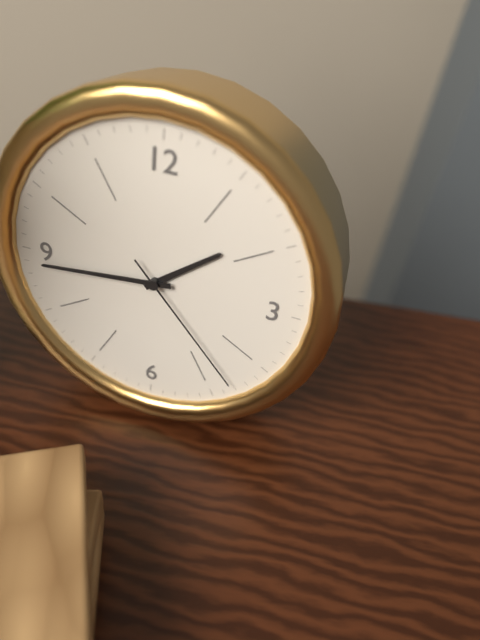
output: 1.44.23
